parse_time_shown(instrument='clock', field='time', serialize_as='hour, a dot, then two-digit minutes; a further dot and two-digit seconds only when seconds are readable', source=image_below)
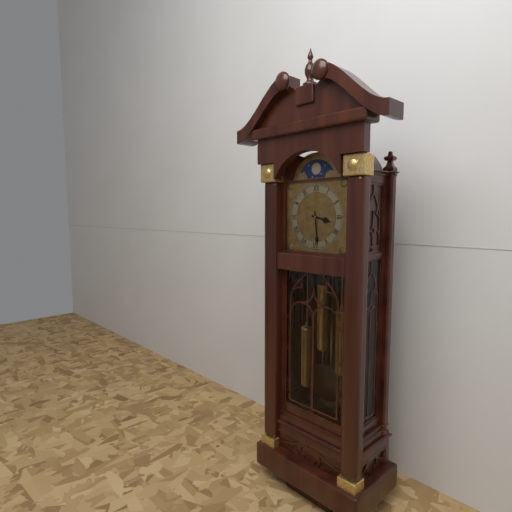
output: 3.29
